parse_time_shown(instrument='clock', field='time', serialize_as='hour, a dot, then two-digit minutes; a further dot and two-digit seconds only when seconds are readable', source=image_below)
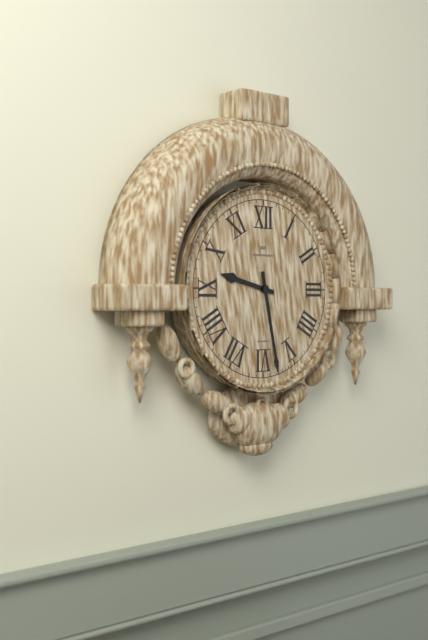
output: 9.28
